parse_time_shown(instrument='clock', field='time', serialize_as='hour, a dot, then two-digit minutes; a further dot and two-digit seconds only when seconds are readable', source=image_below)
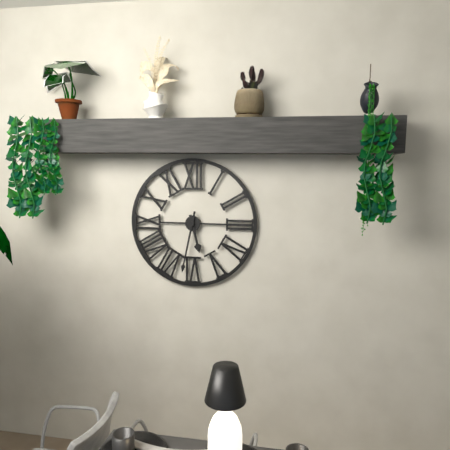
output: 5.32
